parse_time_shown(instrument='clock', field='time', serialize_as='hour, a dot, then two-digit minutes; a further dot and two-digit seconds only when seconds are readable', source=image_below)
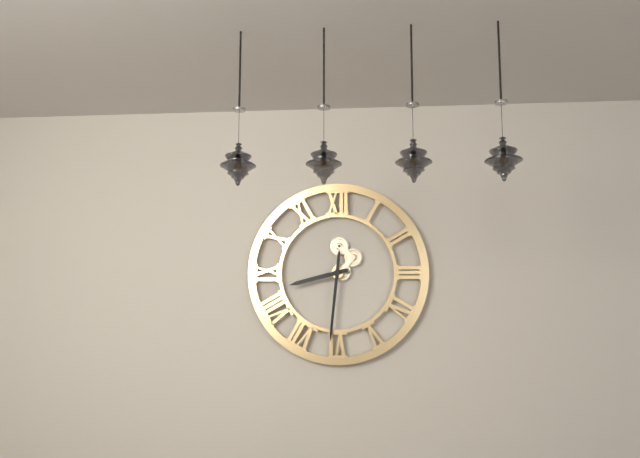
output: 8.31
